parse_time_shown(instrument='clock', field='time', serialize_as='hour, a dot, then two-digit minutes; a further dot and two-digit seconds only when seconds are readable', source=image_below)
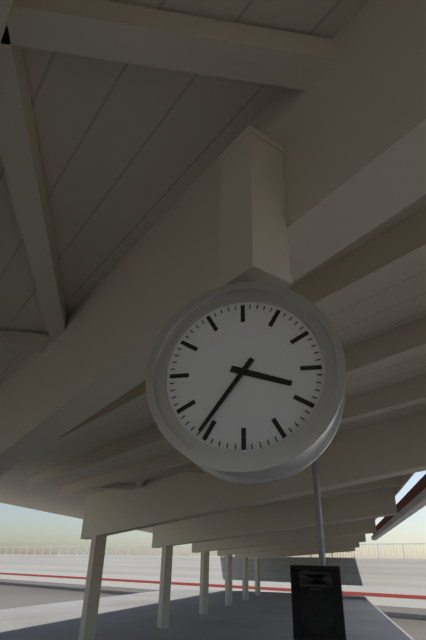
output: 3.36
